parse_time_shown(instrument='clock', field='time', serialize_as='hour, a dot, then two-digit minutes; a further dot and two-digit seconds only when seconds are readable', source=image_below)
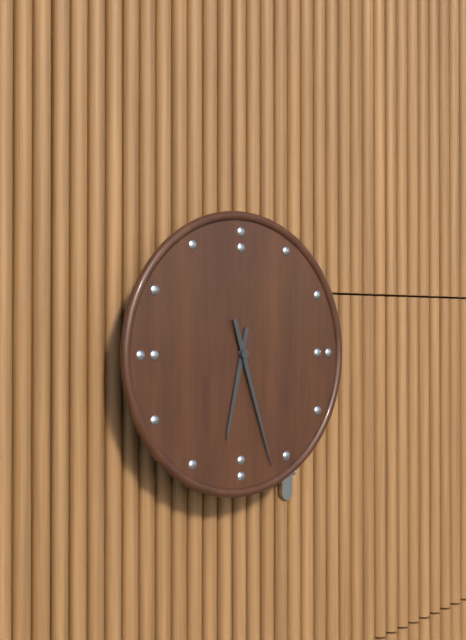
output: 6.27
